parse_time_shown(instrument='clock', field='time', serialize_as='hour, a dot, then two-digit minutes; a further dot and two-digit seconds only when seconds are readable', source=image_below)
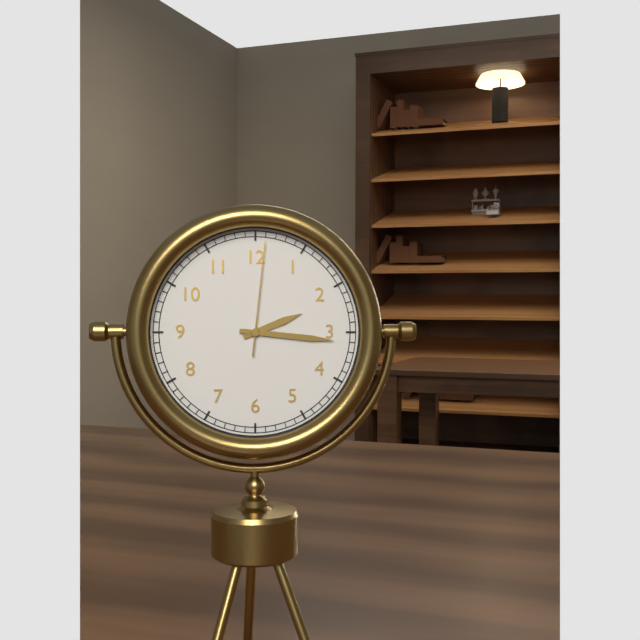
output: 2.16.01
